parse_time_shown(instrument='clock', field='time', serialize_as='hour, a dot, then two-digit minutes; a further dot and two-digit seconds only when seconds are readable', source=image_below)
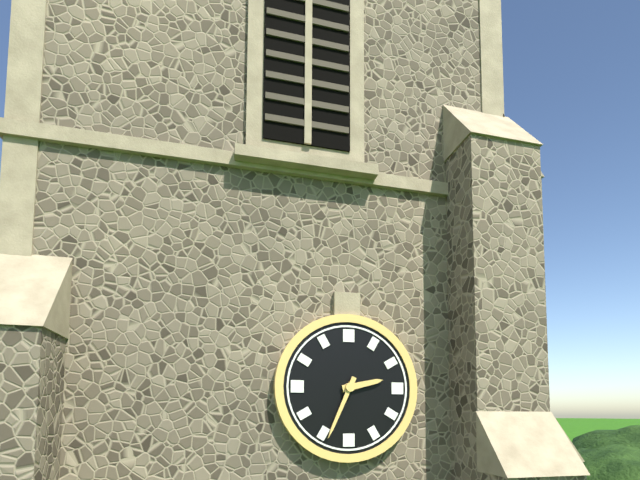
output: 2.34
